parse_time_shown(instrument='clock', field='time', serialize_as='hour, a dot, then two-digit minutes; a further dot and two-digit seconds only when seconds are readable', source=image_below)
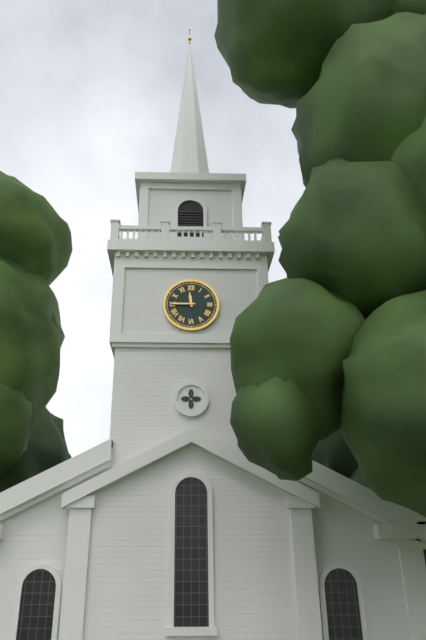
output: 11.45
